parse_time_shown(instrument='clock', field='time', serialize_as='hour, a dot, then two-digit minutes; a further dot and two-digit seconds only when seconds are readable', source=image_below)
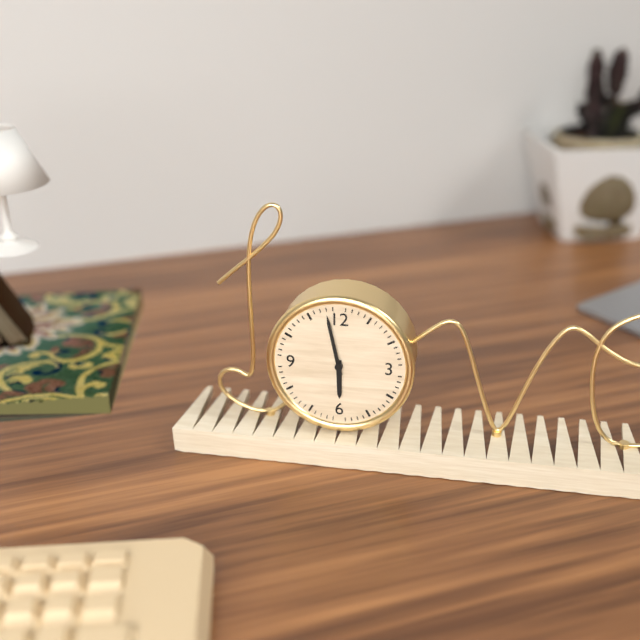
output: 5.58
